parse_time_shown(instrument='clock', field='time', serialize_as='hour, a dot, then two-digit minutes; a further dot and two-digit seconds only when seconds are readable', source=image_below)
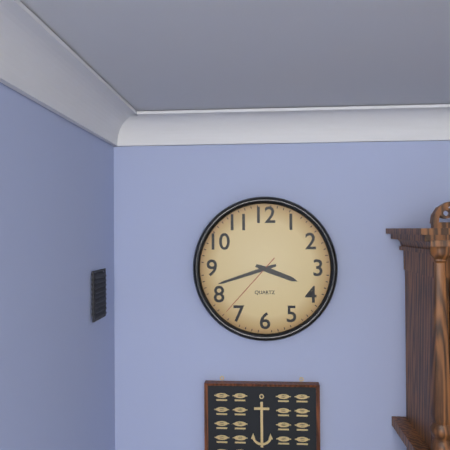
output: 3.42.37
